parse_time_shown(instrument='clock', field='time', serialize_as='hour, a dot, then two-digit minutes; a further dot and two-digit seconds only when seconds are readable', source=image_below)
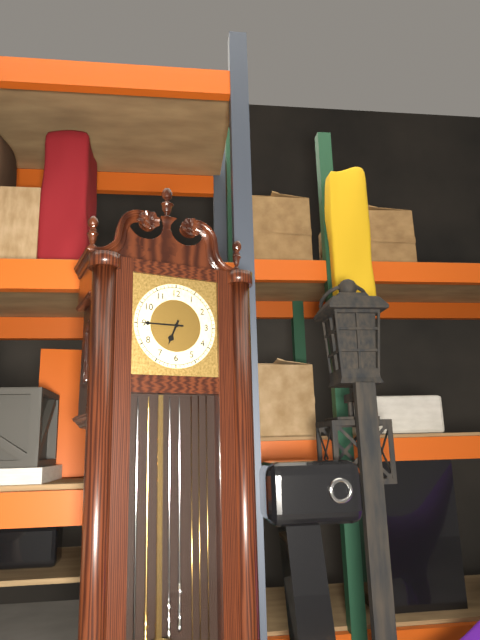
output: 6.45
